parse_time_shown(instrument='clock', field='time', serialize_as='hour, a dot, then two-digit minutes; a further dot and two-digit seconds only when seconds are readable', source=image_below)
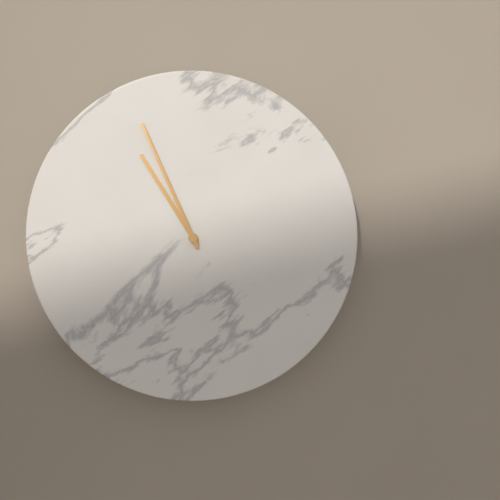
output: 10.56
